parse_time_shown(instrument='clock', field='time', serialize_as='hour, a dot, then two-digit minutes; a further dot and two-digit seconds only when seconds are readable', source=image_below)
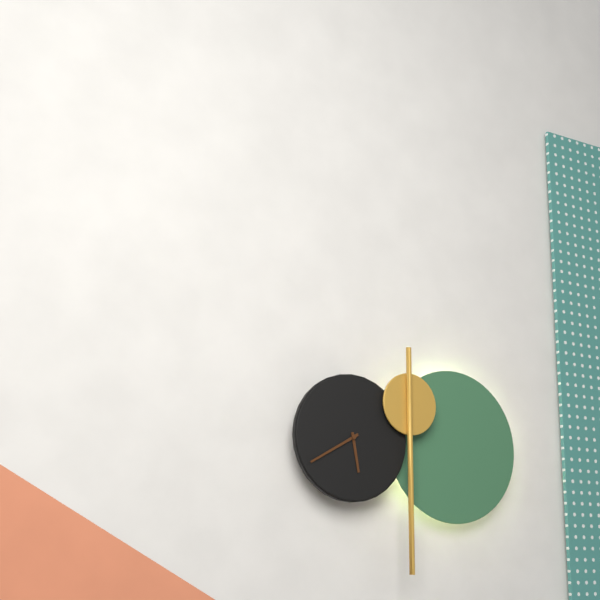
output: 5.40
